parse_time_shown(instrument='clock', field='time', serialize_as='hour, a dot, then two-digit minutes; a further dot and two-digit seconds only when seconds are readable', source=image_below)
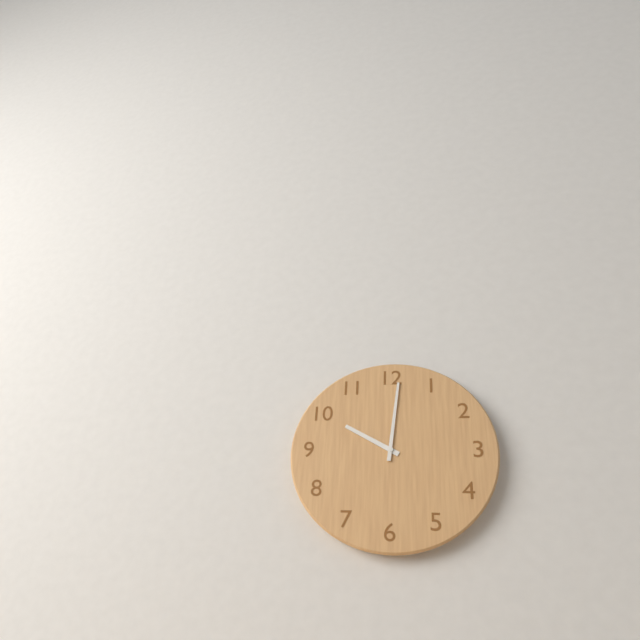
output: 10.01
